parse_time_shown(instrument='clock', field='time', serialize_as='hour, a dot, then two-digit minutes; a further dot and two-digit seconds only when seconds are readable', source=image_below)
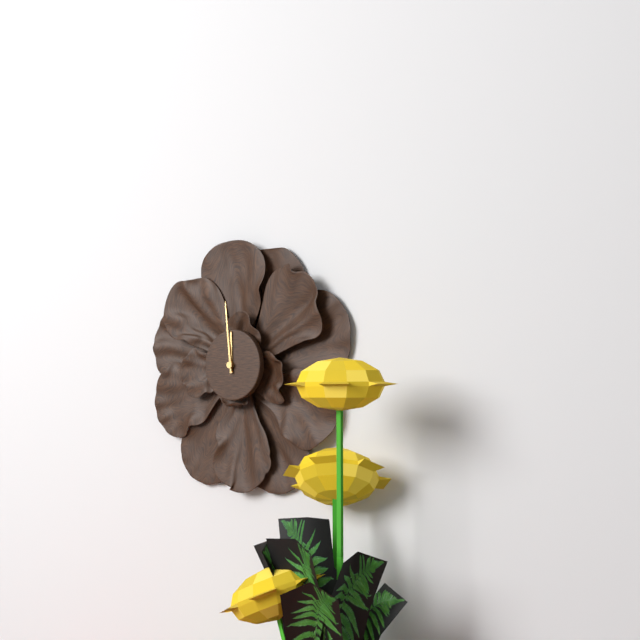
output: 11.59
